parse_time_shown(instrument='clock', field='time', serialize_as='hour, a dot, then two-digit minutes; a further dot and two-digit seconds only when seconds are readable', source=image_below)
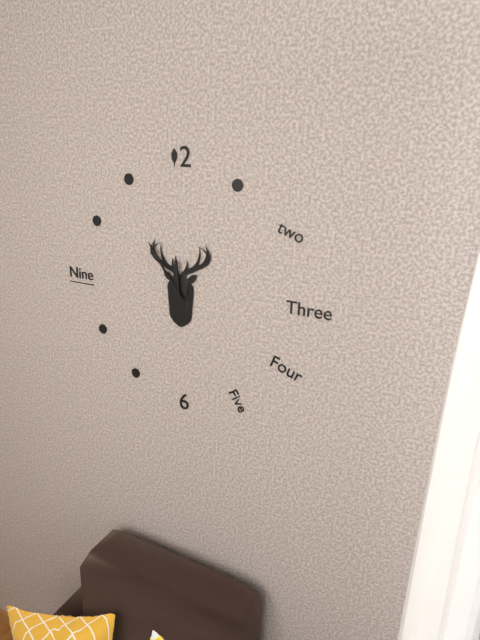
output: 11.54
